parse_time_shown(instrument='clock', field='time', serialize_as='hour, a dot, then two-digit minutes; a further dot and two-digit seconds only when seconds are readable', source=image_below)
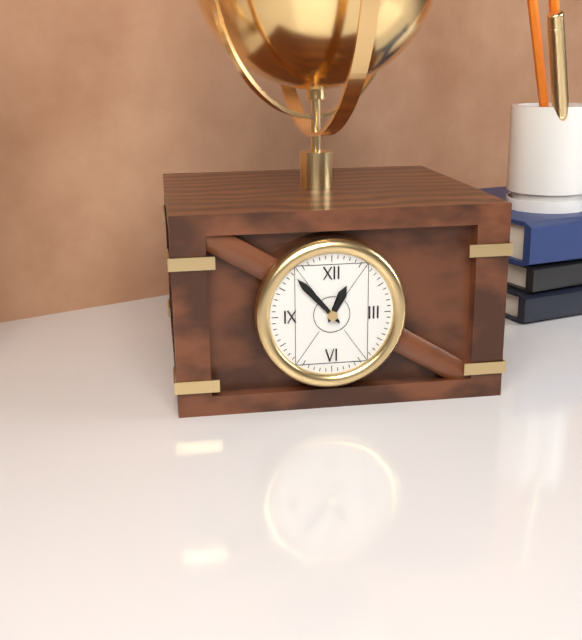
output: 12.53
